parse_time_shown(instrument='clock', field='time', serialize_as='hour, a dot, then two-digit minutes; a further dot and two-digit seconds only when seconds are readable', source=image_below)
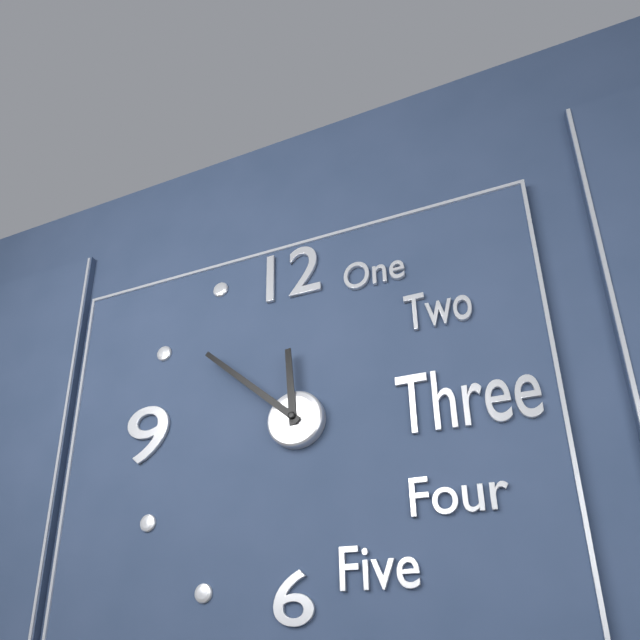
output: 11.52
